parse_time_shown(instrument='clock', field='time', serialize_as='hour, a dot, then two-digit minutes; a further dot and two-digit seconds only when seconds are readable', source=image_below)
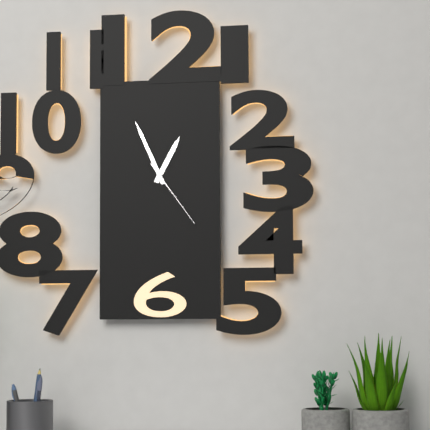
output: 12.56.24
